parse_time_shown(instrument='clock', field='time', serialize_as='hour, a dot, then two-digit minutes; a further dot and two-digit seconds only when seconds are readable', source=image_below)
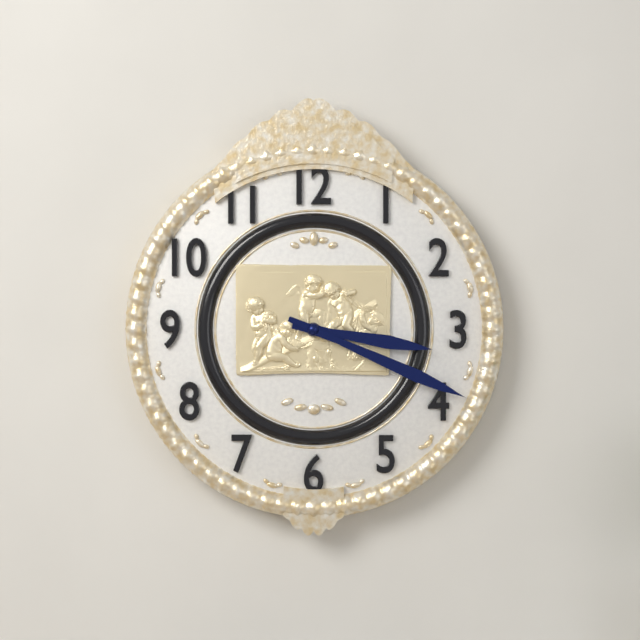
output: 3.19
